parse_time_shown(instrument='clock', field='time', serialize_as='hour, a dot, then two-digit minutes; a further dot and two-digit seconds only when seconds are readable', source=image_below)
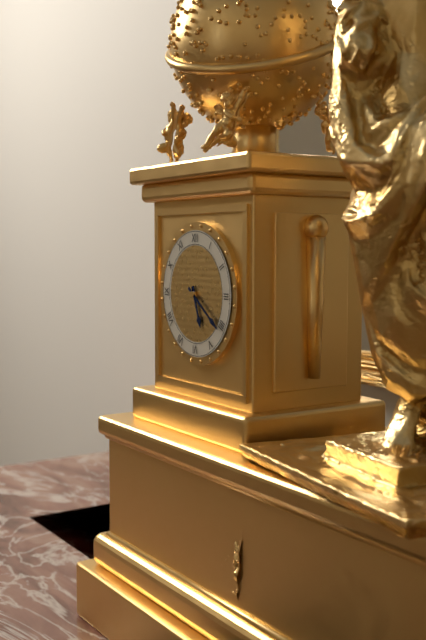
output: 5.21
